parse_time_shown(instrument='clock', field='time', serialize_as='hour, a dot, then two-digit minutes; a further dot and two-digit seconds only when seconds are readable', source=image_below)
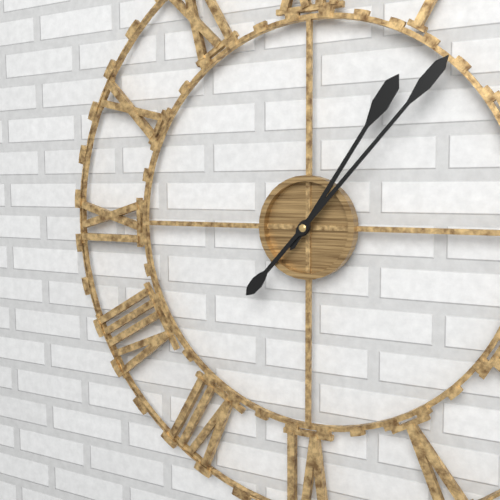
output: 1.07
